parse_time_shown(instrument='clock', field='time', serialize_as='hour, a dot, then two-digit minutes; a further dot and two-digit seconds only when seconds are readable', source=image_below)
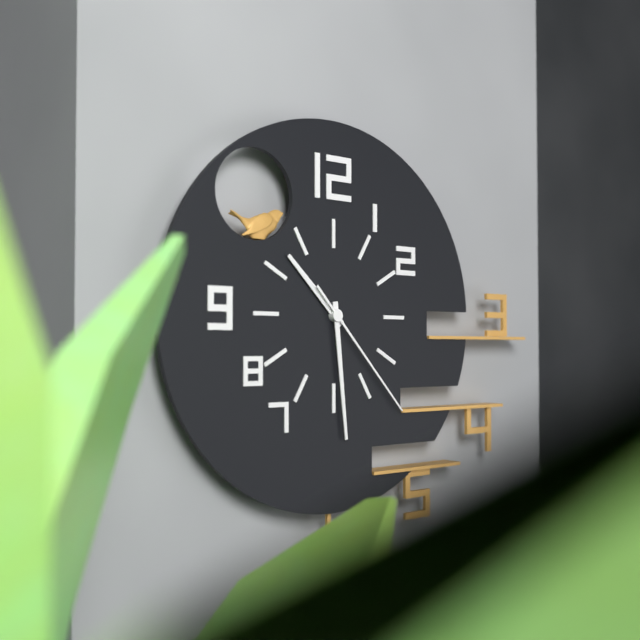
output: 10.29.23
